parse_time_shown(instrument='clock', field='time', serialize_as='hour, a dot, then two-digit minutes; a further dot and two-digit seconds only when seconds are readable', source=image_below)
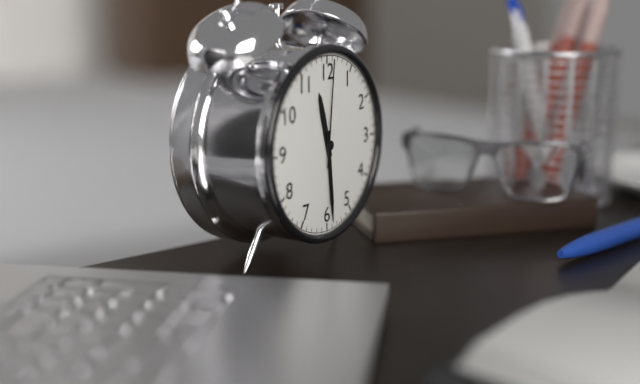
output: 11.29.01
